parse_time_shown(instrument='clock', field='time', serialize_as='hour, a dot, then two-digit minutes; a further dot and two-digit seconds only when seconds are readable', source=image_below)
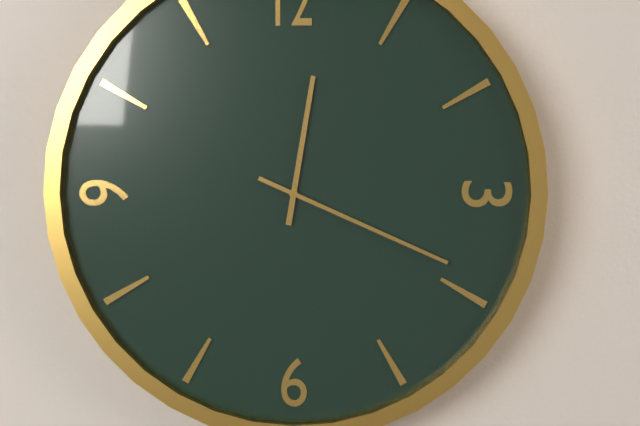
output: 12.19
